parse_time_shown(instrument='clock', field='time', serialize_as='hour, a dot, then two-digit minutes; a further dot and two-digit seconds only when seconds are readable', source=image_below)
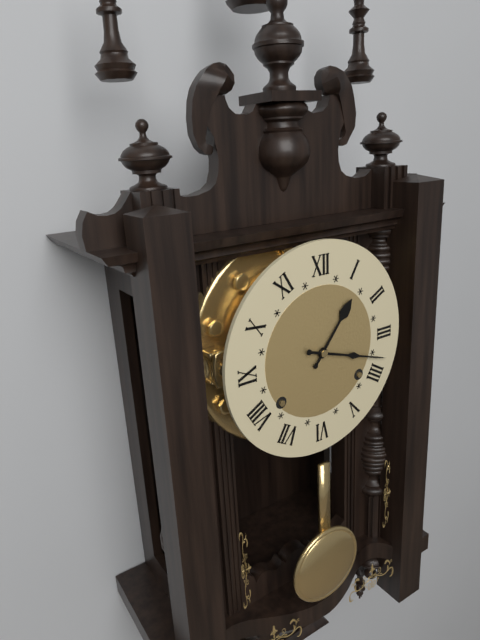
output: 1.18
